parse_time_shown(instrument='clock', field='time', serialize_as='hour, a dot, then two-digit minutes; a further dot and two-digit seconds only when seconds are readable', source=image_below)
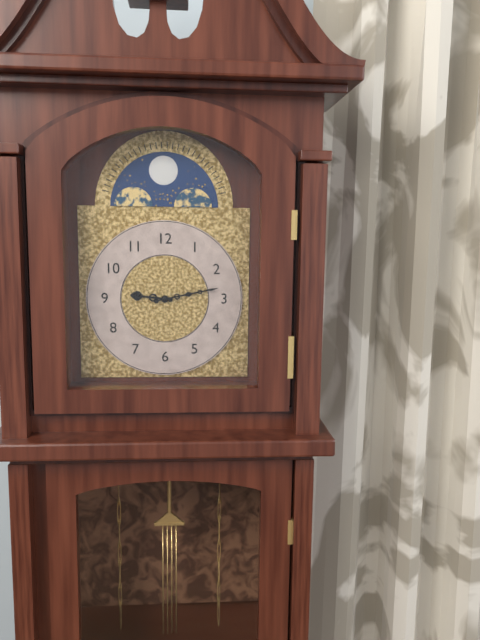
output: 9.13
